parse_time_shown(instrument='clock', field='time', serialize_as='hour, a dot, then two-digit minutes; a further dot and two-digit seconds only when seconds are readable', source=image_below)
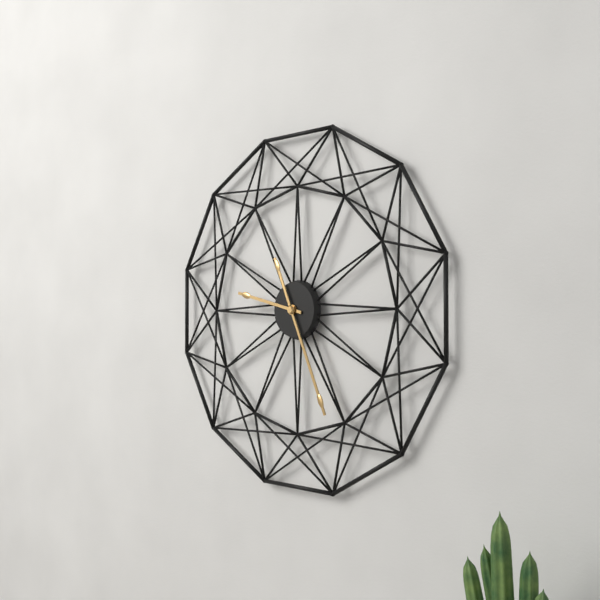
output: 9.26
